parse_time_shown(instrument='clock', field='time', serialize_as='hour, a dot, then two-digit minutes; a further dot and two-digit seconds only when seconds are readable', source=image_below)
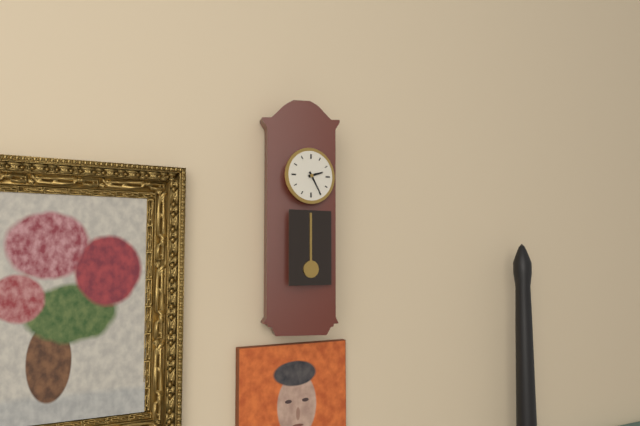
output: 2.25
